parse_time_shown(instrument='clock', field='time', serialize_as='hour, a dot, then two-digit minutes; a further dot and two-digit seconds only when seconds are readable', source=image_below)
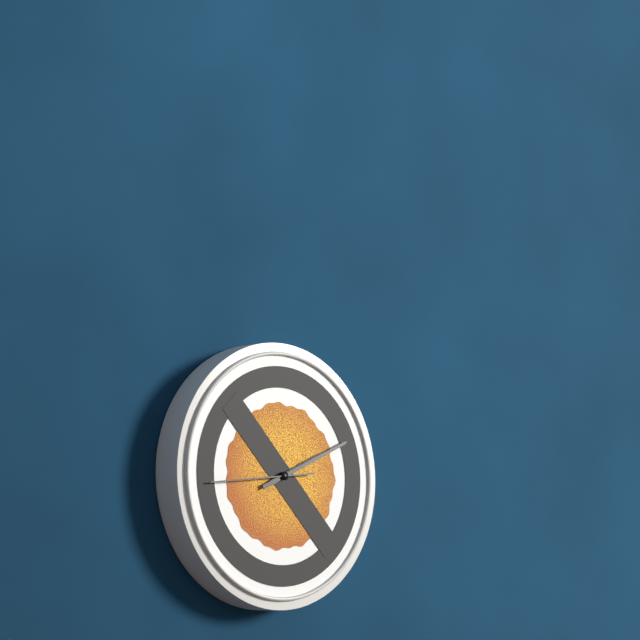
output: 2.11.44
